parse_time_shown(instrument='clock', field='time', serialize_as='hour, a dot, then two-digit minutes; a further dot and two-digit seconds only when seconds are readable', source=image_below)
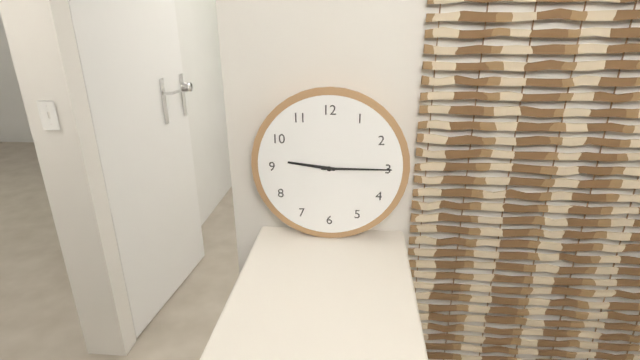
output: 9.15
